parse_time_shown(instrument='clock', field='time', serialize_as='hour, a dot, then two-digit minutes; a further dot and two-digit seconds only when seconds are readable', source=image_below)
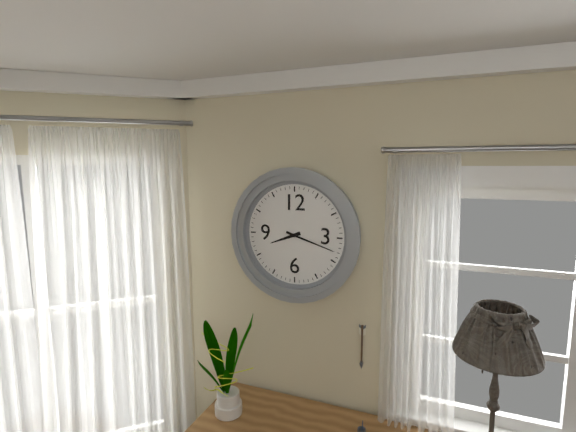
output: 8.18
